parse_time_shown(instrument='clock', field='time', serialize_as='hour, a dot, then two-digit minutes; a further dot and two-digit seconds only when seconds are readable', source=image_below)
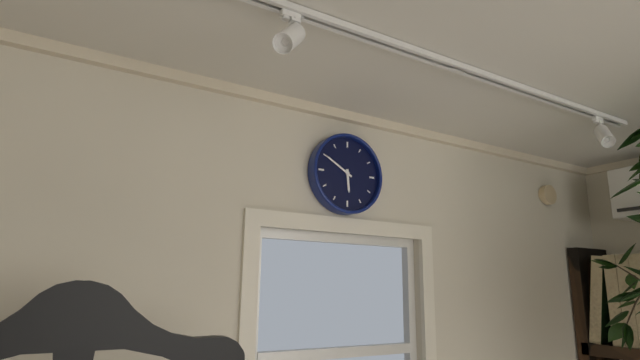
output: 5.50
